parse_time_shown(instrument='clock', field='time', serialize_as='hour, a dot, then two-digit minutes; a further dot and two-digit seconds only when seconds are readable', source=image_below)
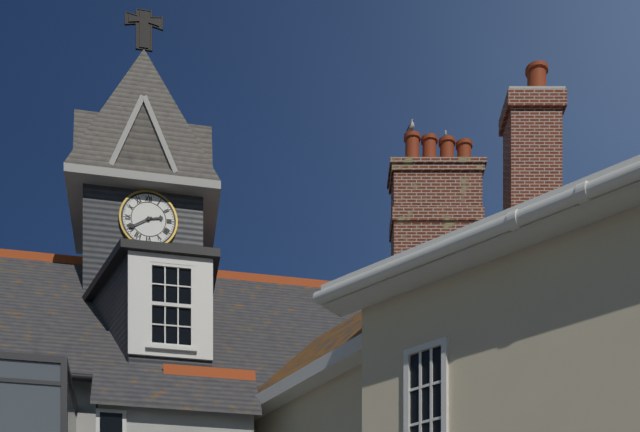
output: 2.40
